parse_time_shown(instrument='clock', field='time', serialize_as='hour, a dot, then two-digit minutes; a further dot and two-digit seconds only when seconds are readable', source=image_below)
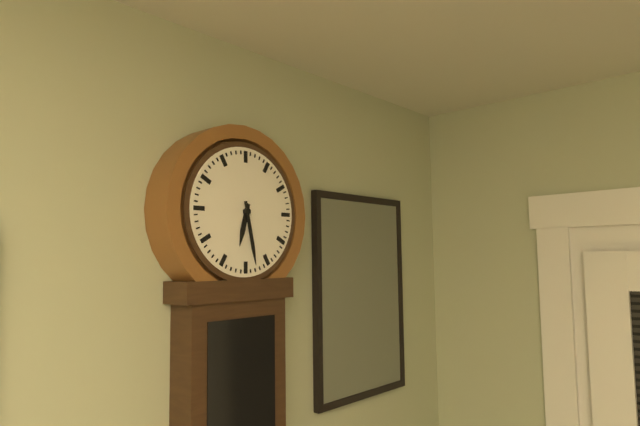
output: 6.28
